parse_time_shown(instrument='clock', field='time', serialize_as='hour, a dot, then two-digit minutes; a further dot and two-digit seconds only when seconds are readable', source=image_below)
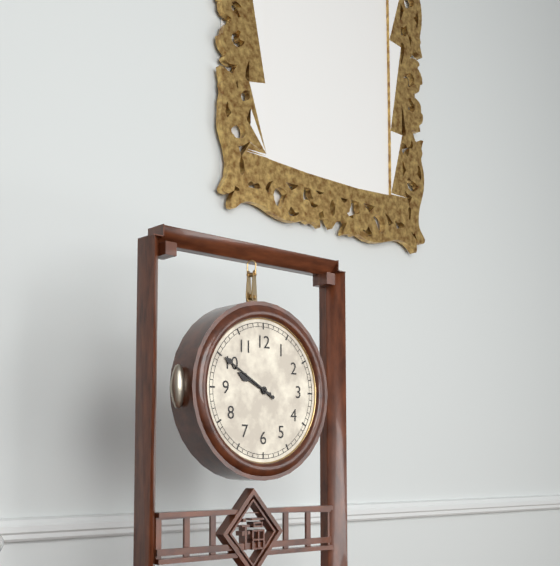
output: 9.50
